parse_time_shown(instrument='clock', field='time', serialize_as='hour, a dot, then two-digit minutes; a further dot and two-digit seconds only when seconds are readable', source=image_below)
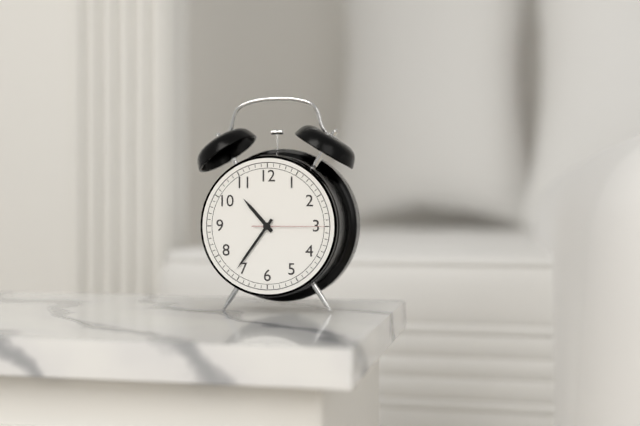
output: 10.36.15
